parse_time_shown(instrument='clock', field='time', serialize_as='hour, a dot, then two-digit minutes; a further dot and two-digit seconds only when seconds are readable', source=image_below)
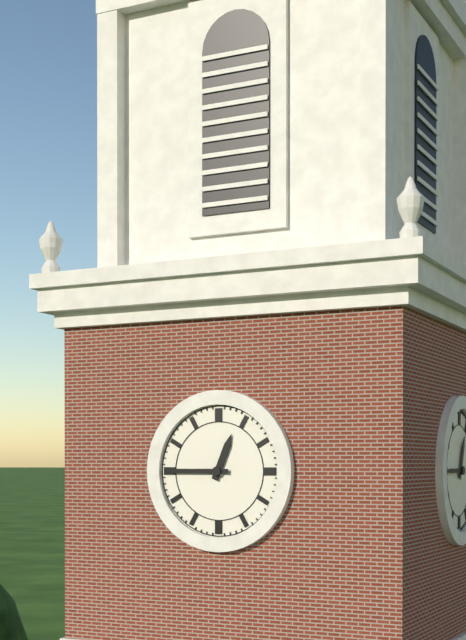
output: 12.45
